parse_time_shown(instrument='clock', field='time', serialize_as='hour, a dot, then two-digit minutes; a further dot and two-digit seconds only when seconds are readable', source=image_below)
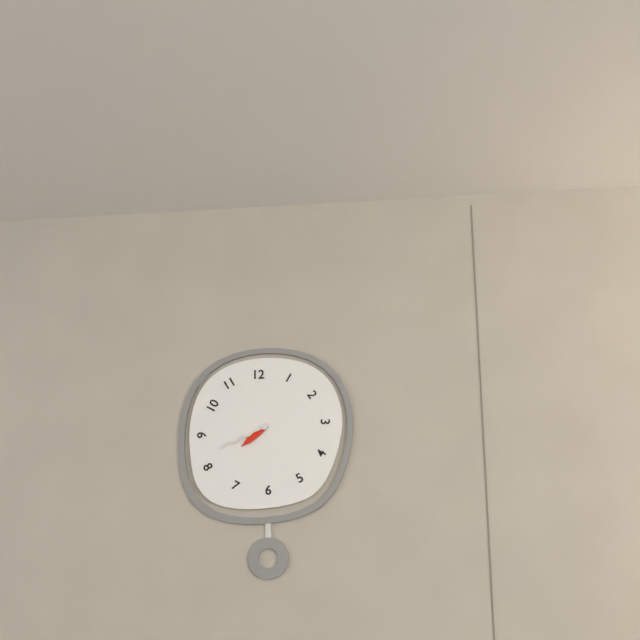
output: 7.41
